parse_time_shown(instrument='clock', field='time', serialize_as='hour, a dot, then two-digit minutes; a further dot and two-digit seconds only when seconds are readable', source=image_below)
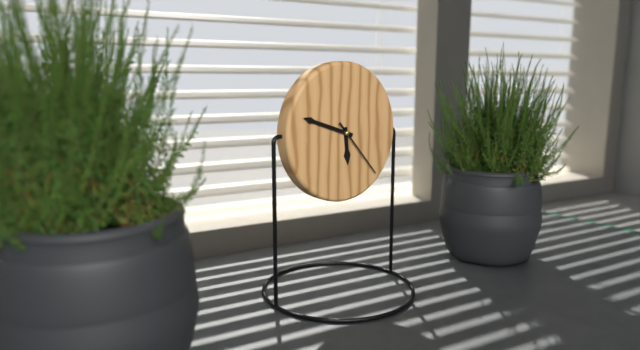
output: 5.48.23
